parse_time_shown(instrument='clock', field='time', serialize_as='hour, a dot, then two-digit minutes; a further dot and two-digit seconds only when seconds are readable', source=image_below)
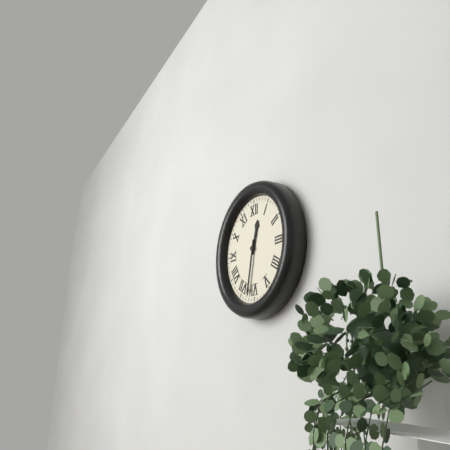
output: 12.32
